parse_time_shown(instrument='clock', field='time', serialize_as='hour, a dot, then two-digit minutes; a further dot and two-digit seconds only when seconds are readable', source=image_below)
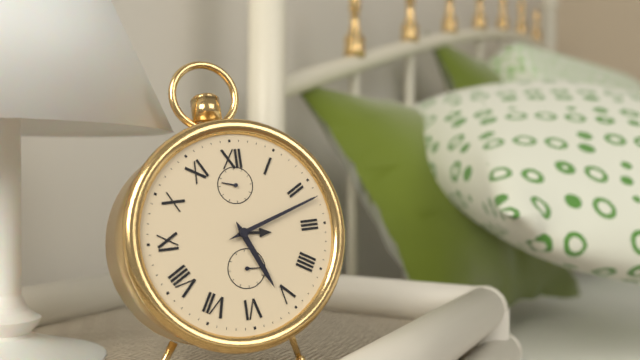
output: 5.12
